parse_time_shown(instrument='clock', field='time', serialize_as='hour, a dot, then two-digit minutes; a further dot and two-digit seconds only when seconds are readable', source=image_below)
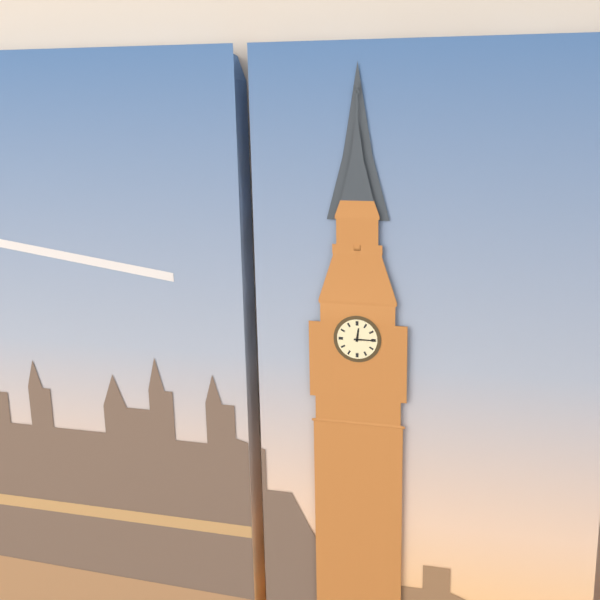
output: 12.15
